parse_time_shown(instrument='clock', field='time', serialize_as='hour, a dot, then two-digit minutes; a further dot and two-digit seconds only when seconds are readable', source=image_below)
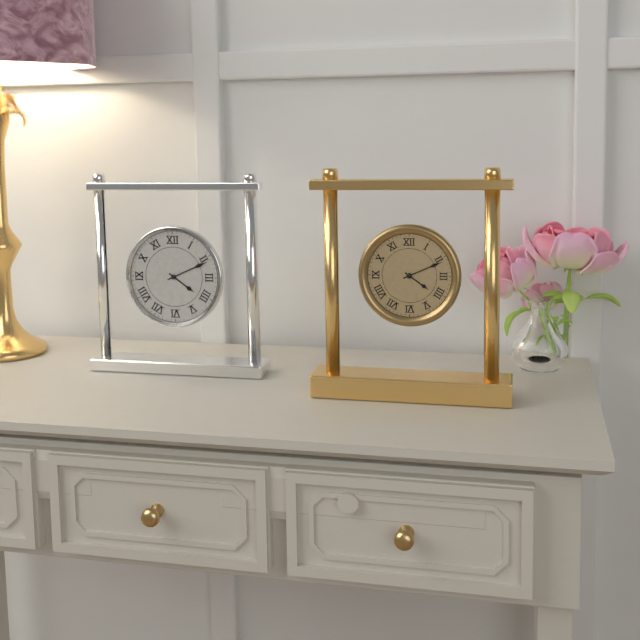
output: 4.11
